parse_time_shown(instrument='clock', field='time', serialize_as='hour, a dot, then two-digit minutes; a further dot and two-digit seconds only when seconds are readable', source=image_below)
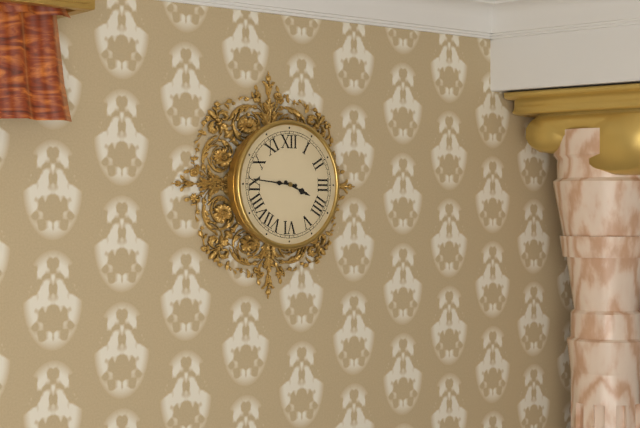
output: 3.46
